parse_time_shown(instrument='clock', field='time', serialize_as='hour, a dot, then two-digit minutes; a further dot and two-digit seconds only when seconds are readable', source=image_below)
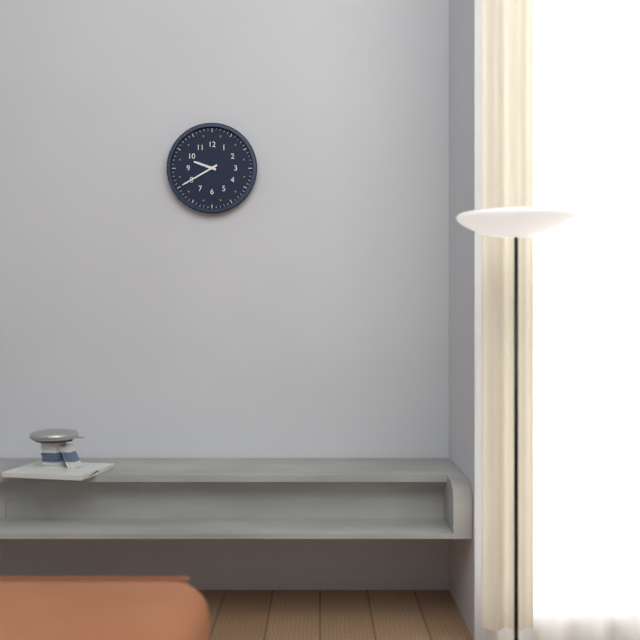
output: 9.40
